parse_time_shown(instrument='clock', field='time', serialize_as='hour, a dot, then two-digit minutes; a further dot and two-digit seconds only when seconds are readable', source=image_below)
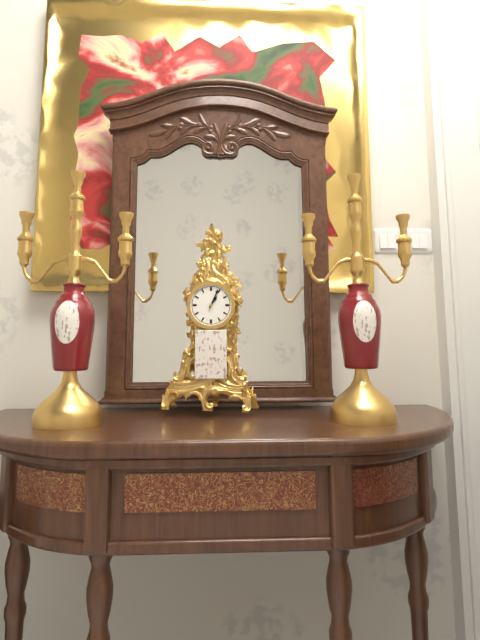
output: 1.04
